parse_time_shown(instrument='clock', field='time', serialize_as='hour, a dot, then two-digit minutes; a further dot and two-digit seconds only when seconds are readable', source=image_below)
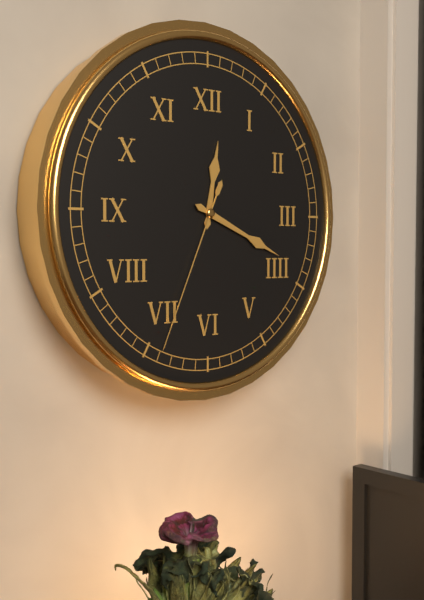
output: 12.19.34
